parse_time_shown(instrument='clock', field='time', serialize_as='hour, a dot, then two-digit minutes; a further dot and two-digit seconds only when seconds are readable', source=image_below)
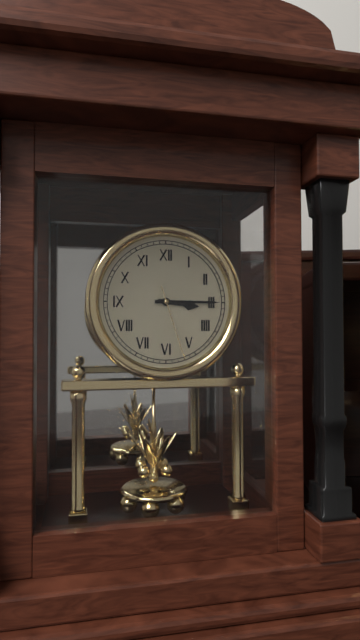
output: 3.15.27
